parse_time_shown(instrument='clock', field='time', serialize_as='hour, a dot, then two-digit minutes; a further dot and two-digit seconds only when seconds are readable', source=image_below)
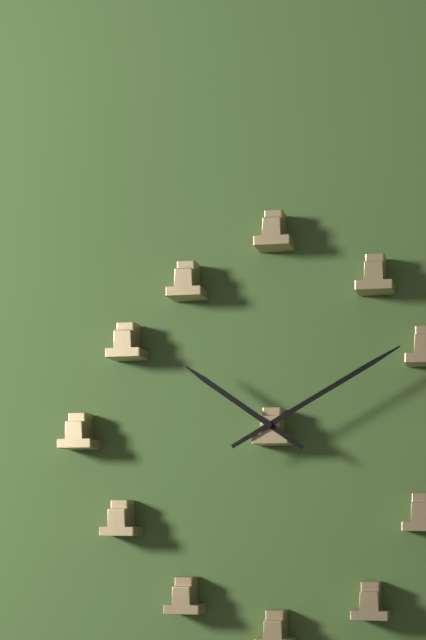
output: 10.10
